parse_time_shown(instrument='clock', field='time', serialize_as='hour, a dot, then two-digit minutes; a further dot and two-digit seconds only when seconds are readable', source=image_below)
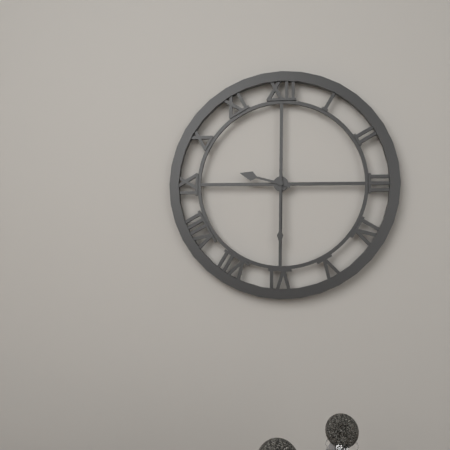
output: 9.30
